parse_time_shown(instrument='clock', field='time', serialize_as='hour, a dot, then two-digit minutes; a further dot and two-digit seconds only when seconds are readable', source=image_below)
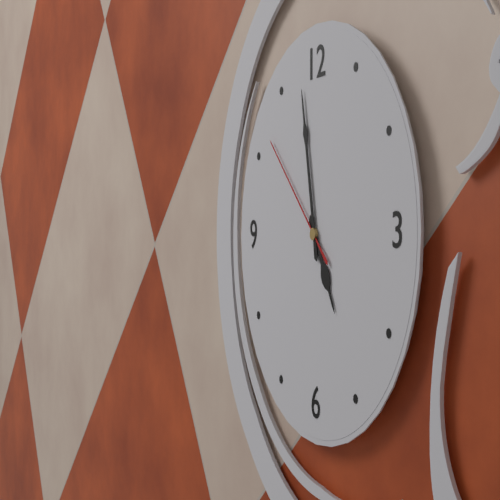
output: 4.58.52
